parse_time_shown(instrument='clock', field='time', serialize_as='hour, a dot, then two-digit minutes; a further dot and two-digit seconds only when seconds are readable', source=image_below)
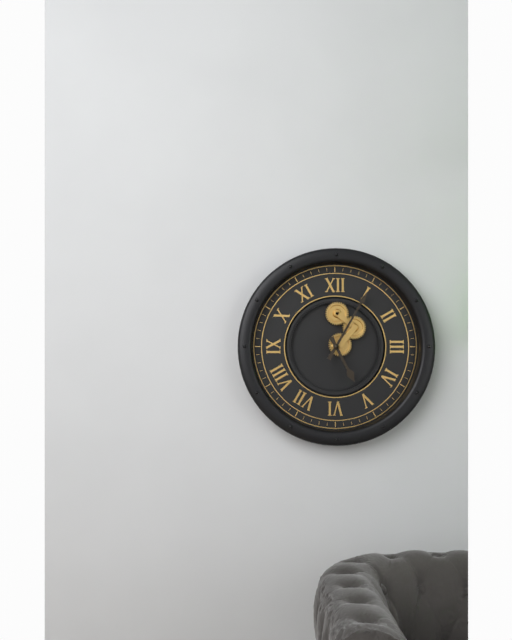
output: 5.05
